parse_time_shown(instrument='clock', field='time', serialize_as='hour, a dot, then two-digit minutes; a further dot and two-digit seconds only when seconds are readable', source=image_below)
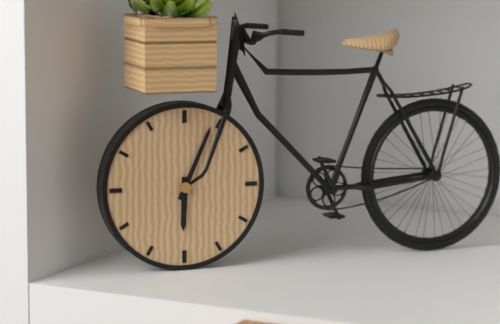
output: 6.04
